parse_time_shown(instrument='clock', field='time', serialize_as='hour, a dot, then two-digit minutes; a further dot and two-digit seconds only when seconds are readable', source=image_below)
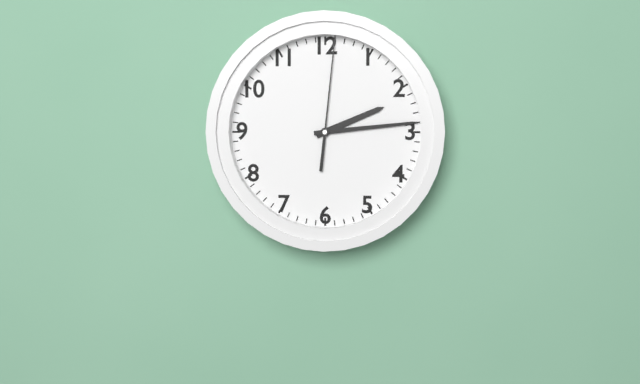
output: 2.14.01
